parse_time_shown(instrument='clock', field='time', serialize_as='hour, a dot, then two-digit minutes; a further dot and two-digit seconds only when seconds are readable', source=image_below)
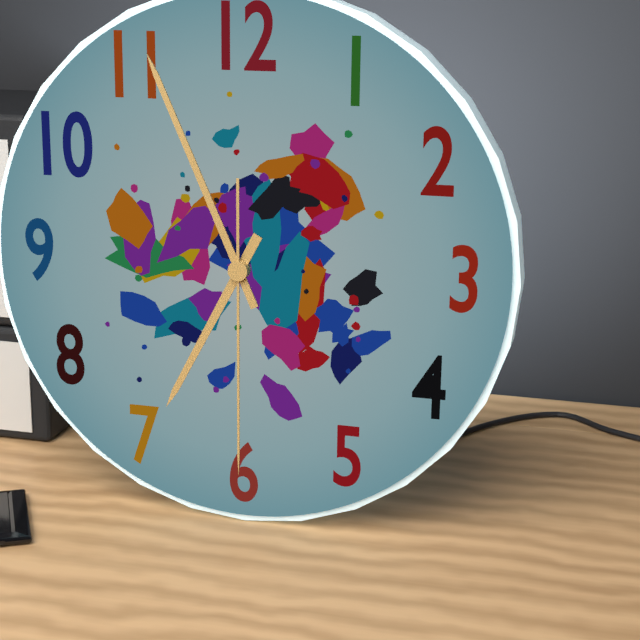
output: 6.56.30
